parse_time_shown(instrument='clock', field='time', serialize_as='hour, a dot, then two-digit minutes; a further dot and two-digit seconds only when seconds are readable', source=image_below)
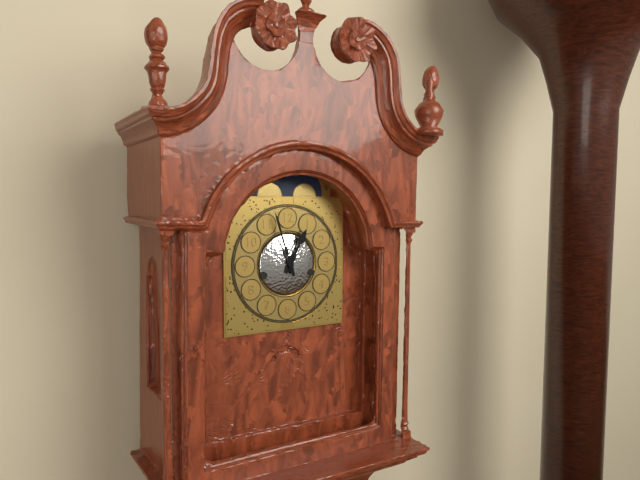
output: 12.57
